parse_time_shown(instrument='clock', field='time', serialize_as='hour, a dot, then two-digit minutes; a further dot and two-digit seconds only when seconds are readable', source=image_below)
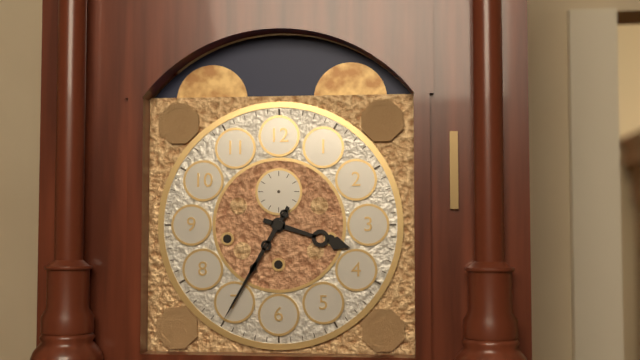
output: 3.35
